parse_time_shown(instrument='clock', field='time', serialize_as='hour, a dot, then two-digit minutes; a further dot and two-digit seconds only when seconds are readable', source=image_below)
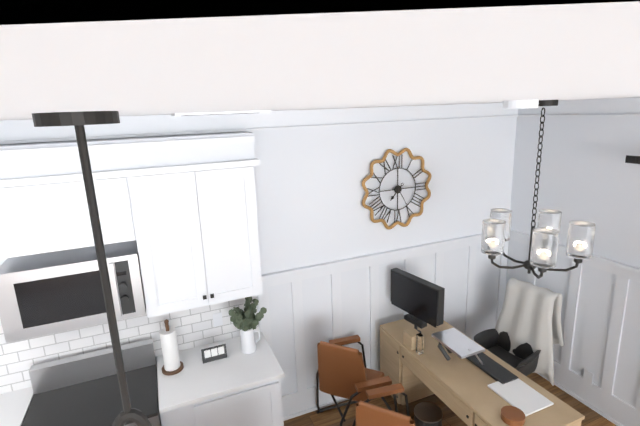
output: 7.25
